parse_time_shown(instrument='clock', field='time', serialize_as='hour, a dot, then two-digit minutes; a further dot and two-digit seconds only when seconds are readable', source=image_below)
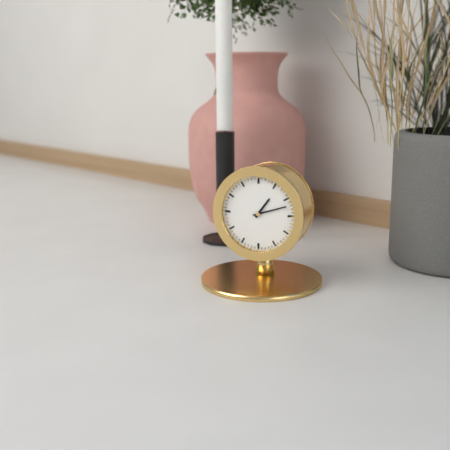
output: 1.12
